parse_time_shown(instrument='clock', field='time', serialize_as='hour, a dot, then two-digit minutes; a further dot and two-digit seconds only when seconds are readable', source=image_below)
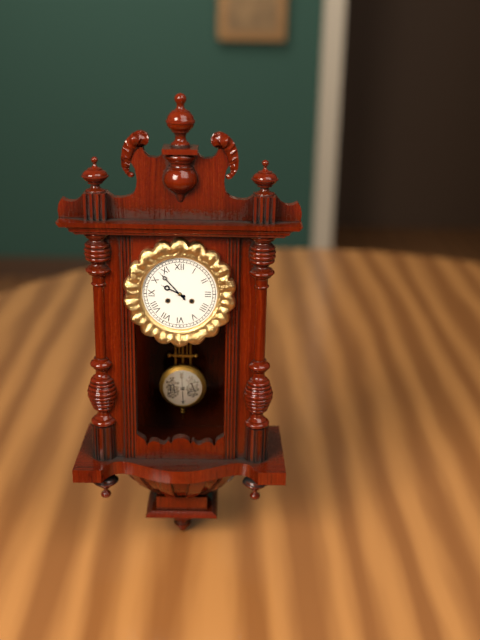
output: 9.53
